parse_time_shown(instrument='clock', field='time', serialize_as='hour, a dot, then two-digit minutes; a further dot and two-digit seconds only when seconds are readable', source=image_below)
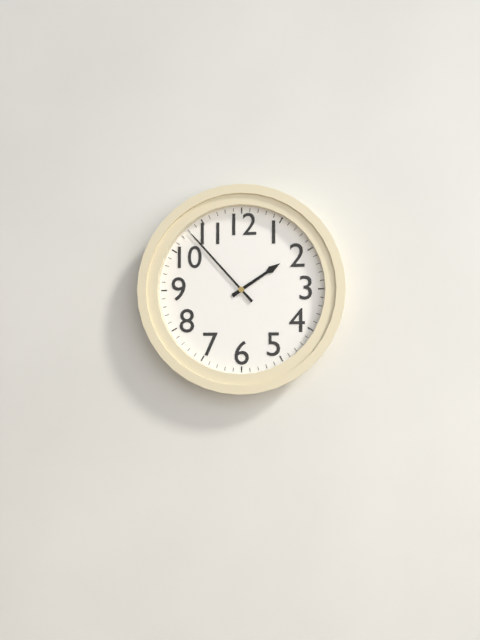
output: 1.53
